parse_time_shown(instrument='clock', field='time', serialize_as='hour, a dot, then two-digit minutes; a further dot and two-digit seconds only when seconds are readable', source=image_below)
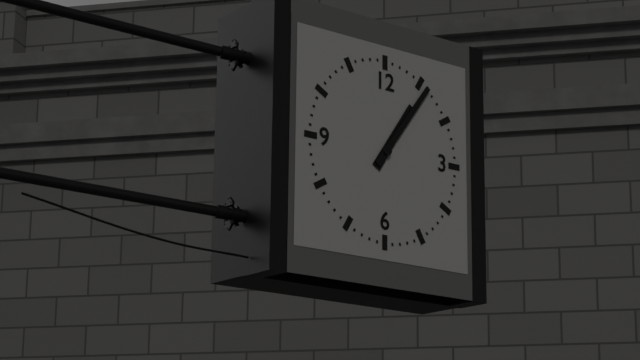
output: 1.06
